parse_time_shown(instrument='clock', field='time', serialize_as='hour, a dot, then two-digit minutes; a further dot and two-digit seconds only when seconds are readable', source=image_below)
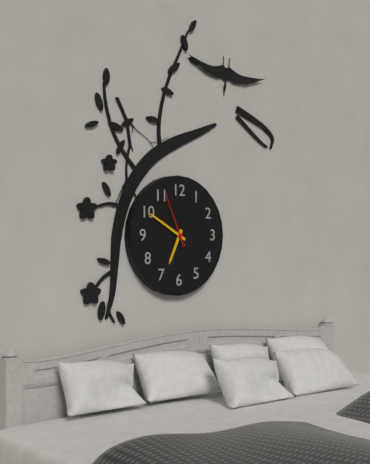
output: 6.50.56
